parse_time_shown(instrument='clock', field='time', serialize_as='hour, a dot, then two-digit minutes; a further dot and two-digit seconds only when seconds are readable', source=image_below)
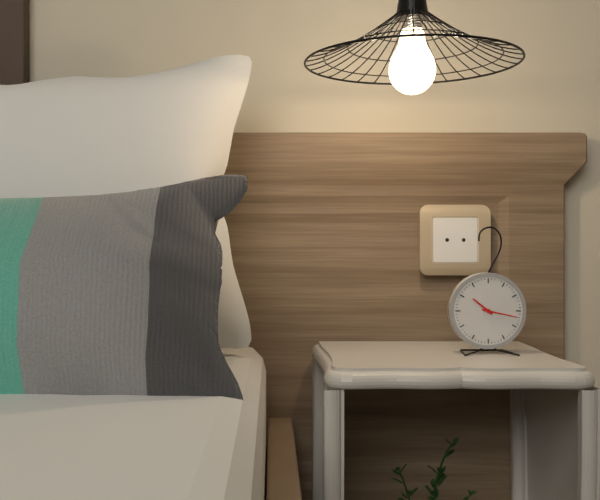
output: 10.17
